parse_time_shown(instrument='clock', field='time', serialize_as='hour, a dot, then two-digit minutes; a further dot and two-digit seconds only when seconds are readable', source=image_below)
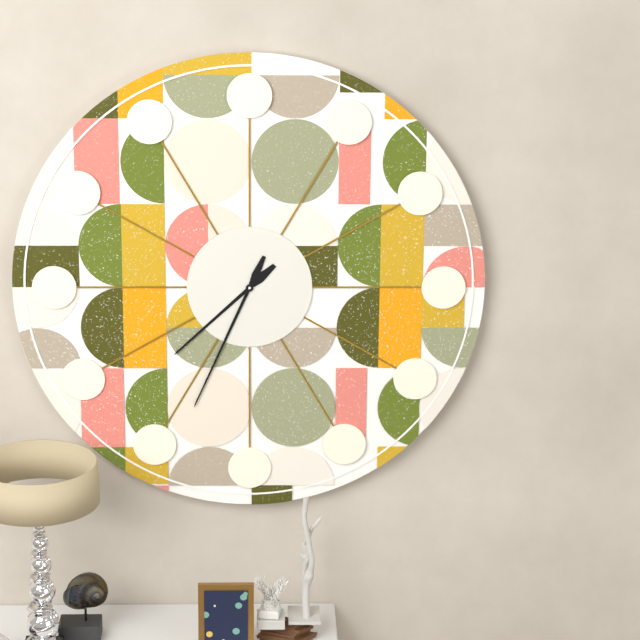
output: 7.34
